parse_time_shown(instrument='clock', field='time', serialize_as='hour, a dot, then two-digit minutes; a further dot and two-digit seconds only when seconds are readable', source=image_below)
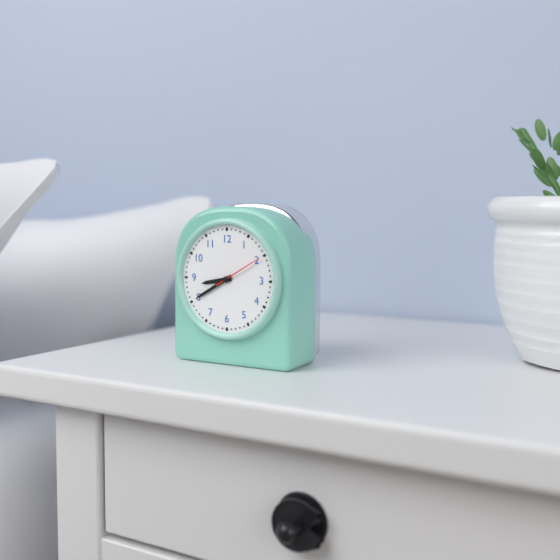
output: 8.40.10
